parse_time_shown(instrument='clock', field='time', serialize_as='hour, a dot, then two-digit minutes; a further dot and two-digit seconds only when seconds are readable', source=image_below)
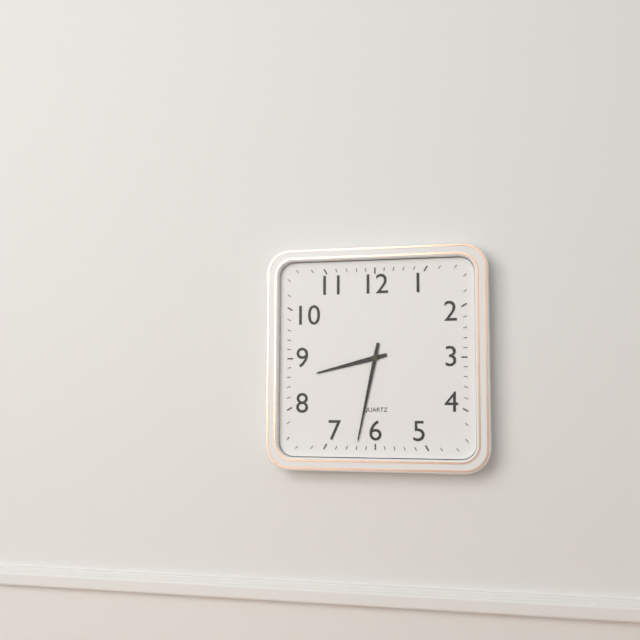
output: 8.32
